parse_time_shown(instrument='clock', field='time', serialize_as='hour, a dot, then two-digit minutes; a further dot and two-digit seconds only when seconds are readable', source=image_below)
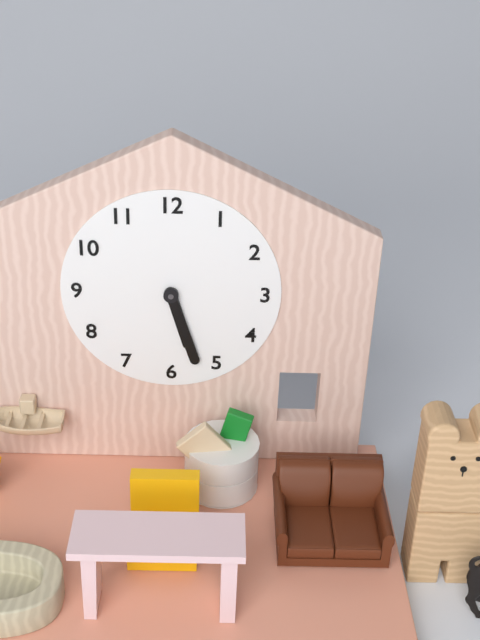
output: 5.27
